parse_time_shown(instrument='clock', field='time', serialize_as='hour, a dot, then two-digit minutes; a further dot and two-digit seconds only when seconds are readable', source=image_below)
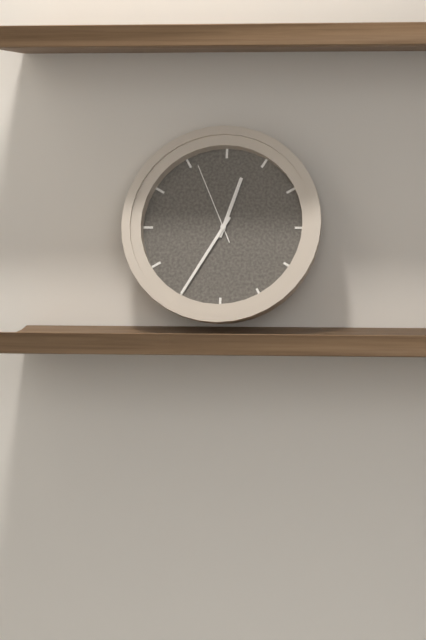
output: 12.35.56
